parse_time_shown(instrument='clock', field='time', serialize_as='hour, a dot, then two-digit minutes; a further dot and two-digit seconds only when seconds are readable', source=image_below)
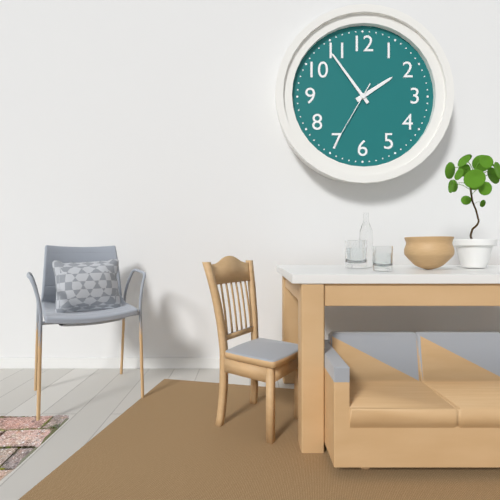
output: 1.54.35
